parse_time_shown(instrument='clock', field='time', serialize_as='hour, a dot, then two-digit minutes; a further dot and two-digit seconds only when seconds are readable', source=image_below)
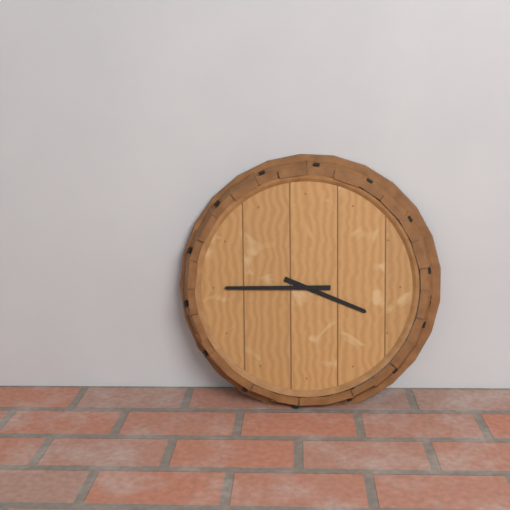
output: 3.45
